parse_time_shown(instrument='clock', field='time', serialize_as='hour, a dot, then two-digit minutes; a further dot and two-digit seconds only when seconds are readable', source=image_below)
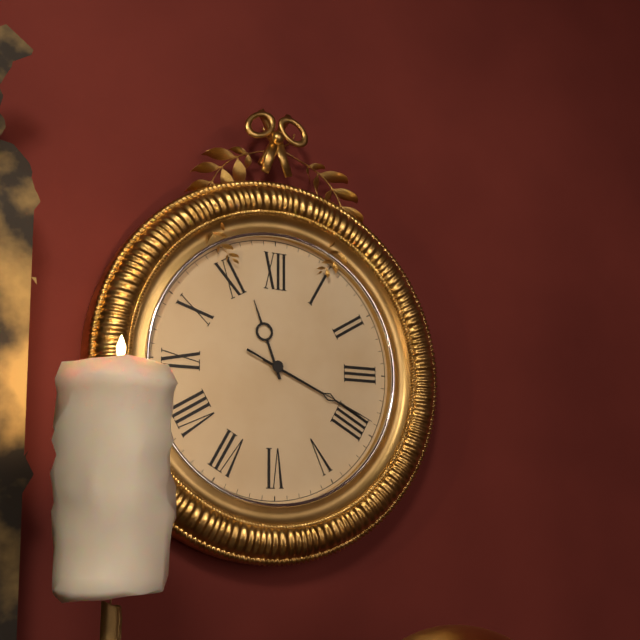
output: 11.19.19
